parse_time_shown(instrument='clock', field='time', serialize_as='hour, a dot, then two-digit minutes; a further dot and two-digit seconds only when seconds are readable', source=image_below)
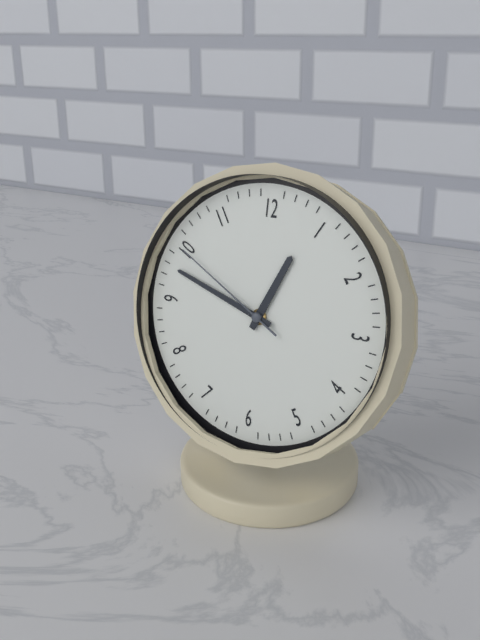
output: 12.48.50
